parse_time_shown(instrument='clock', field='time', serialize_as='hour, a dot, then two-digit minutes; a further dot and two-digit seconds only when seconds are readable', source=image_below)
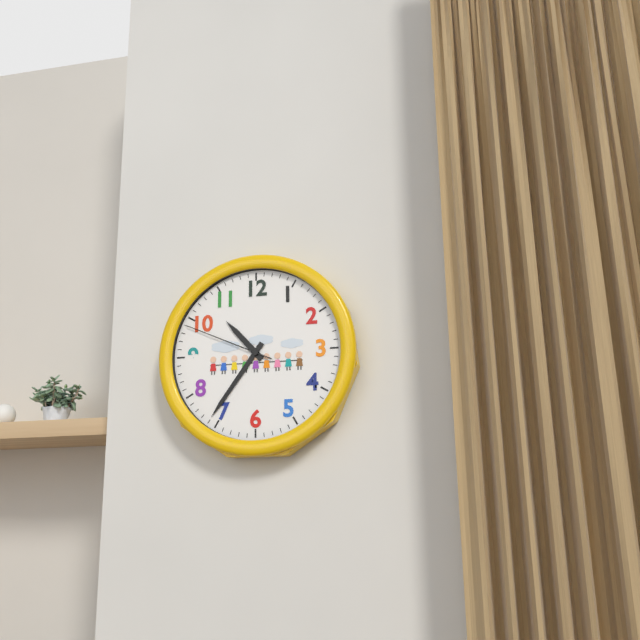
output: 10.36.49
